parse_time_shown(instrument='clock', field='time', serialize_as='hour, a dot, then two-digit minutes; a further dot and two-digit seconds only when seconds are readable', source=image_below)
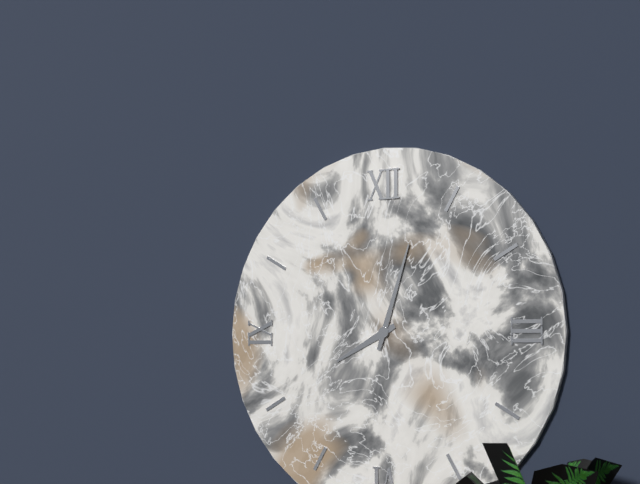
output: 8.03
